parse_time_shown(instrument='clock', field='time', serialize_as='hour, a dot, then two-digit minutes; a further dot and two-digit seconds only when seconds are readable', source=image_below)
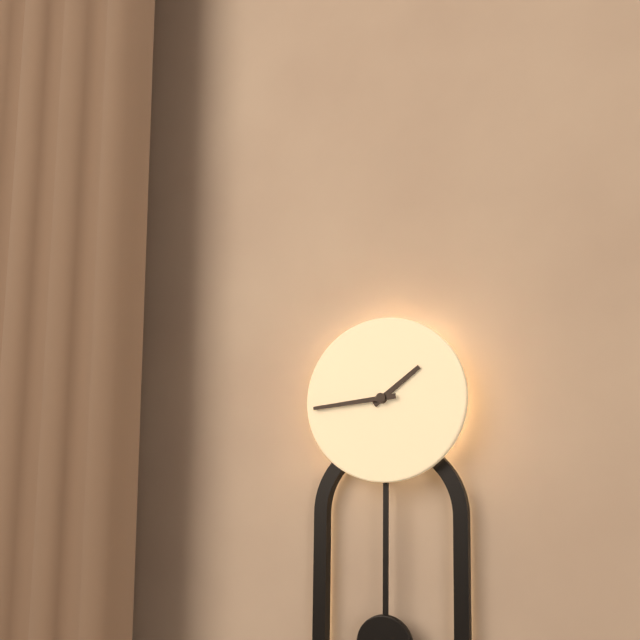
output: 1.44
